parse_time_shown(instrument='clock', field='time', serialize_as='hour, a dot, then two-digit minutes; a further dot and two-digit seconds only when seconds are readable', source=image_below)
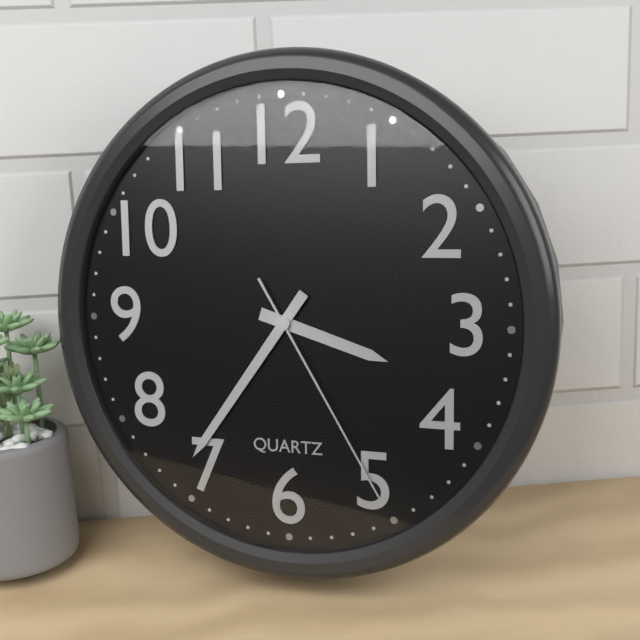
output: 3.36.25
